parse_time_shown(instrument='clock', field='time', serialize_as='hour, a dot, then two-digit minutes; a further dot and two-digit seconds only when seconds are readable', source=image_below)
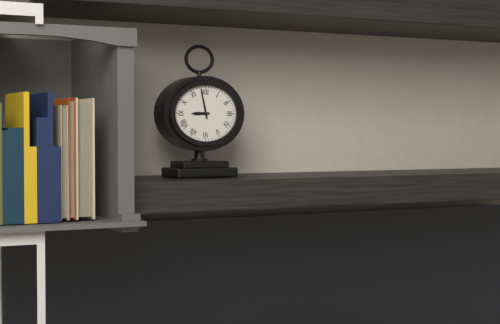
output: 8.58
